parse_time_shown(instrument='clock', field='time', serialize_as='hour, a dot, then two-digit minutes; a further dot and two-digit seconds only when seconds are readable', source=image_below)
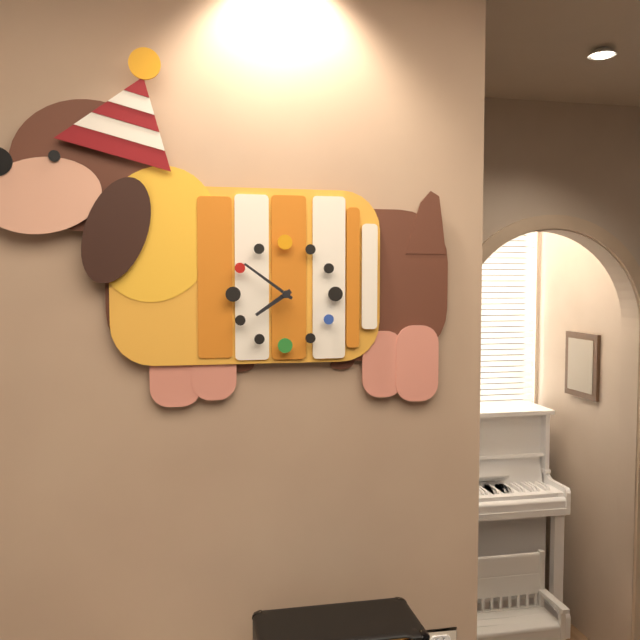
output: 7.51
